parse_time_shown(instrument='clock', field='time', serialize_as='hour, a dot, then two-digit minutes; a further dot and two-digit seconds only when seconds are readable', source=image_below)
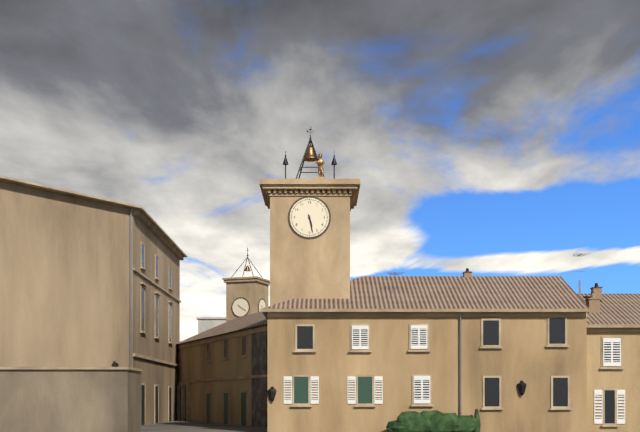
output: 5.28
